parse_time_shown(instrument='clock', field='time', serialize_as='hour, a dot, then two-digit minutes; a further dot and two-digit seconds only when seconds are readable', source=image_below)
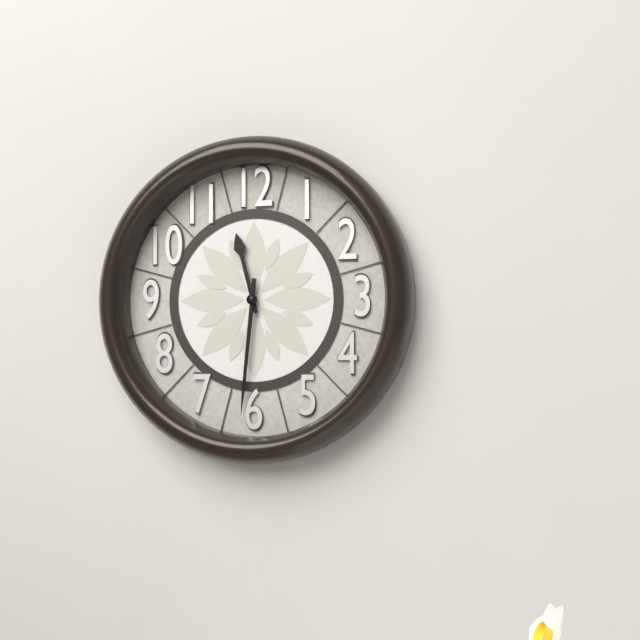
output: 11.31
